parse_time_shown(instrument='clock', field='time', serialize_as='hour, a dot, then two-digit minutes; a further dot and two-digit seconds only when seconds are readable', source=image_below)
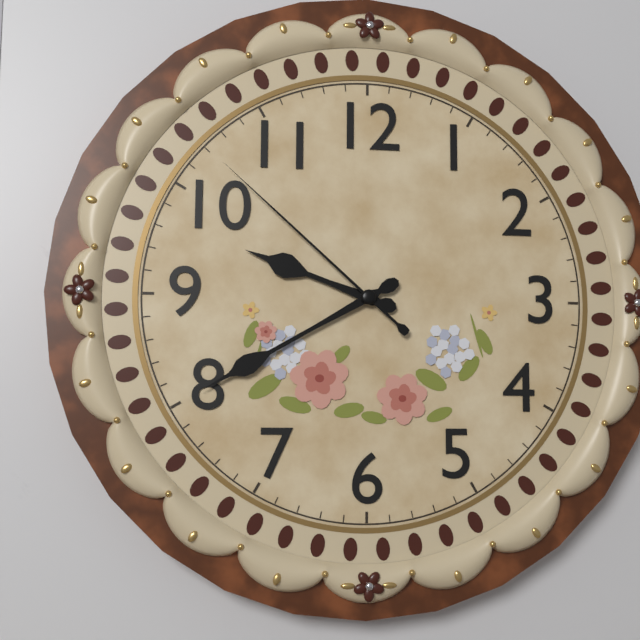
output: 9.40.52
